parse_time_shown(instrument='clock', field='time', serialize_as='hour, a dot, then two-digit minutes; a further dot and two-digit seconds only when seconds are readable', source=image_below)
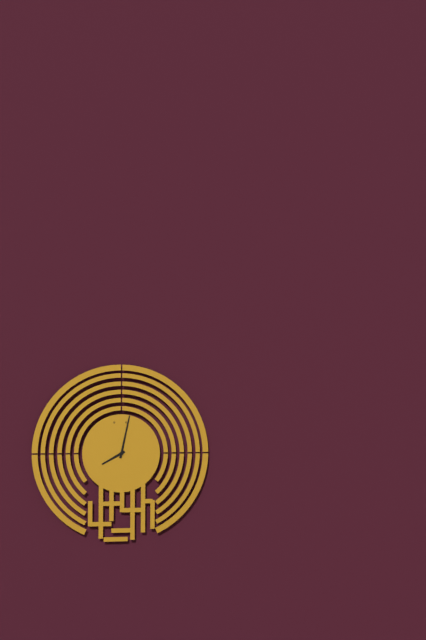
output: 8.02
